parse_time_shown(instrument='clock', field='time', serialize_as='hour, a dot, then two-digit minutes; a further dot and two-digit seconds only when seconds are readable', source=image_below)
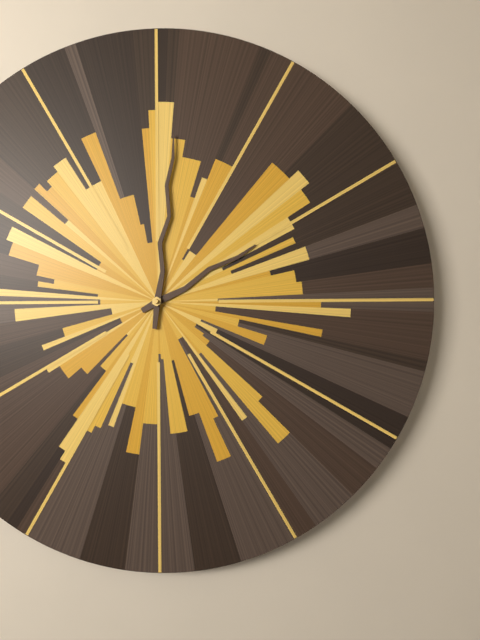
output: 2.01
